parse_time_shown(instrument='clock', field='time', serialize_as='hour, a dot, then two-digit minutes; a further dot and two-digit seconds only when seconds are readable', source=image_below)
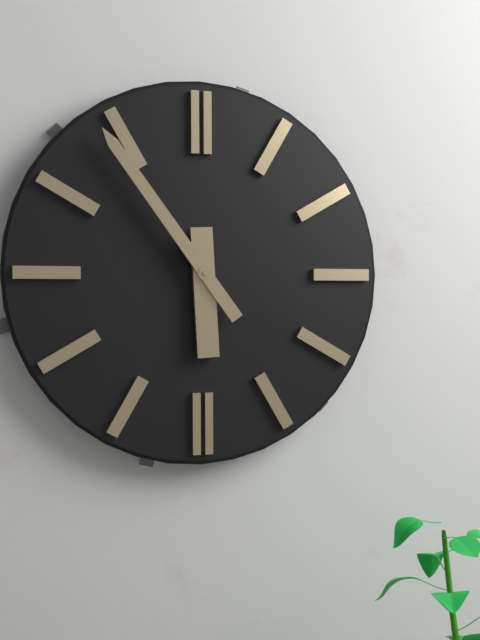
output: 5.54
